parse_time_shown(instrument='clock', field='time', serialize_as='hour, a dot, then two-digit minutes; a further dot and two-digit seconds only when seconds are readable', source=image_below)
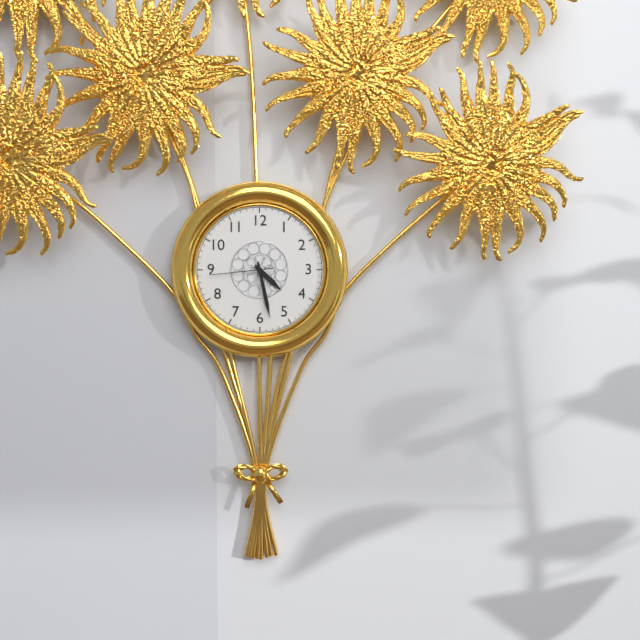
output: 4.28.44
